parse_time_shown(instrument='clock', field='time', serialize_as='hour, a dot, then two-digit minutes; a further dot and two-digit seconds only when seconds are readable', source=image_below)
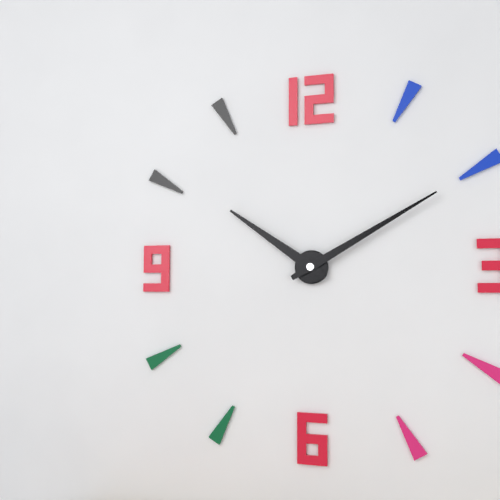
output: 10.10
